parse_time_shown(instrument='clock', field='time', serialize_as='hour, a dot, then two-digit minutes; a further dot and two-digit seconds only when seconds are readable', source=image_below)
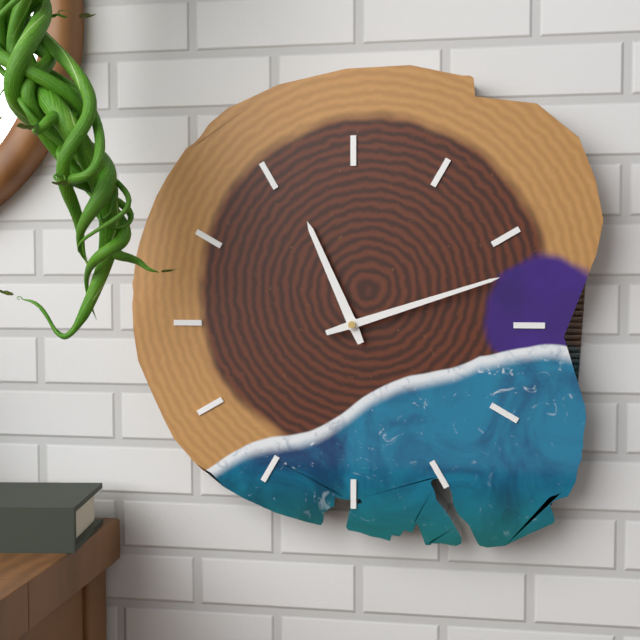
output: 11.12
